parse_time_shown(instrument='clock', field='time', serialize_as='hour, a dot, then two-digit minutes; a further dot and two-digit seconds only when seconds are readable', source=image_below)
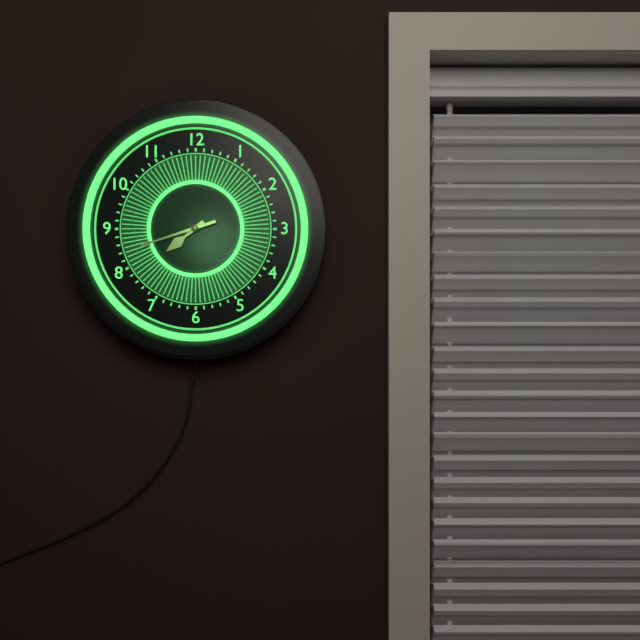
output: 7.42
